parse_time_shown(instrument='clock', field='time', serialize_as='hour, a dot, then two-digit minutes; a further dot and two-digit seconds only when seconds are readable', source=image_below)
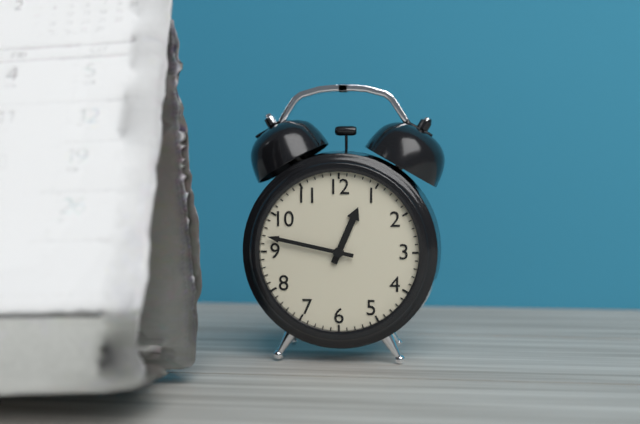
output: 12.47
